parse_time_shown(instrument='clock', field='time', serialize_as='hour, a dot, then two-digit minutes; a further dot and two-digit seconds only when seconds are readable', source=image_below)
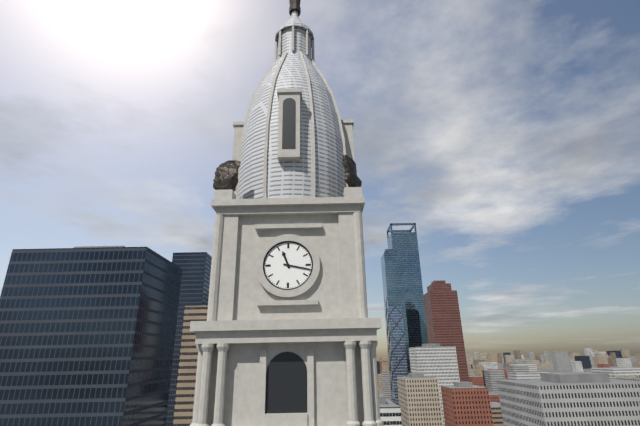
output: 11.17
